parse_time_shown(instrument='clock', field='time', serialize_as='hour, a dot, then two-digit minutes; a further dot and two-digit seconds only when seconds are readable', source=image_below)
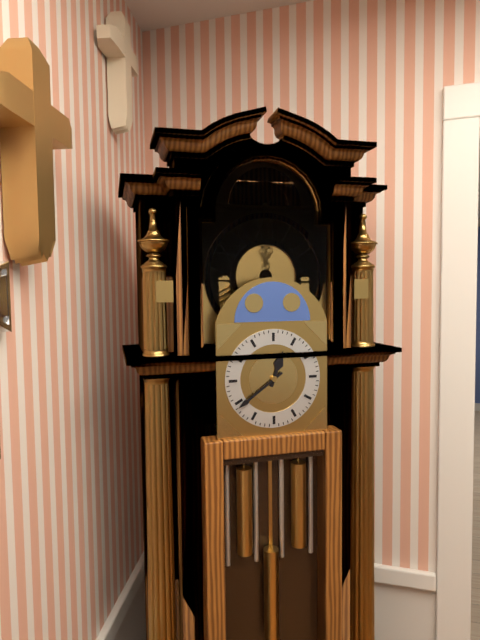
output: 12.39
